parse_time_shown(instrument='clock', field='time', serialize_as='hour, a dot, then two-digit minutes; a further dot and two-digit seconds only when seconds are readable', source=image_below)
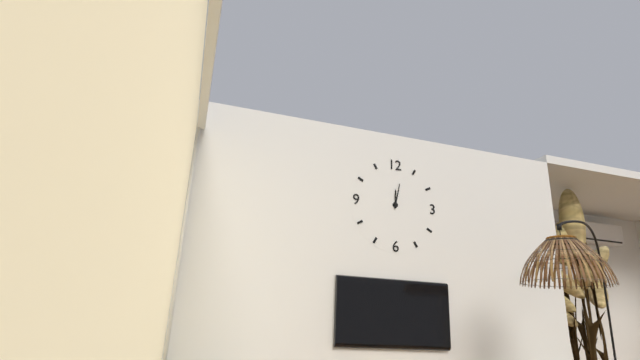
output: 12.02
